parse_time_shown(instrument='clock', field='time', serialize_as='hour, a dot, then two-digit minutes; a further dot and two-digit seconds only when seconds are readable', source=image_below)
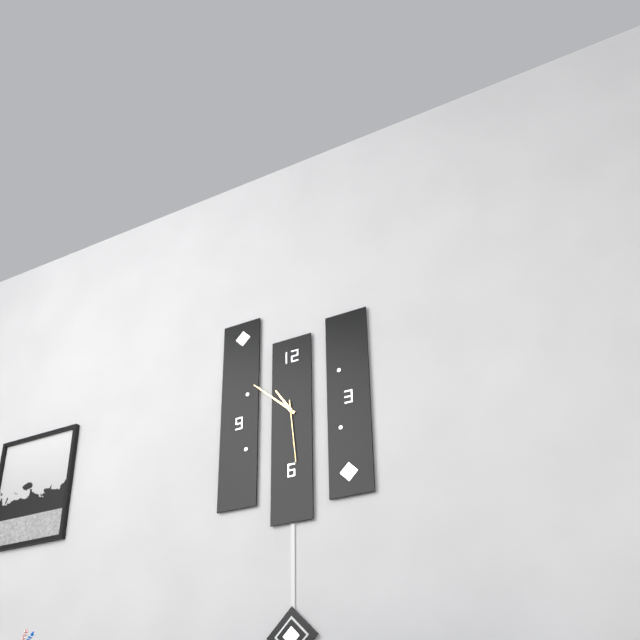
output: 10.52.29
